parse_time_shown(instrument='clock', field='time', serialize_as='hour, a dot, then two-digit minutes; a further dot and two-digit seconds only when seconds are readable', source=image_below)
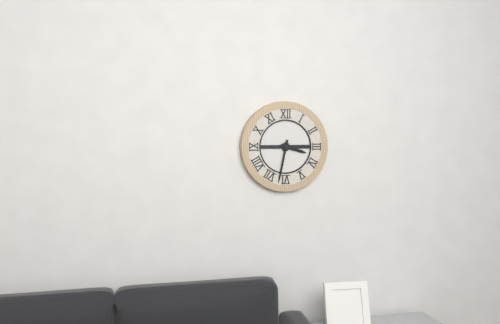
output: 3.32
